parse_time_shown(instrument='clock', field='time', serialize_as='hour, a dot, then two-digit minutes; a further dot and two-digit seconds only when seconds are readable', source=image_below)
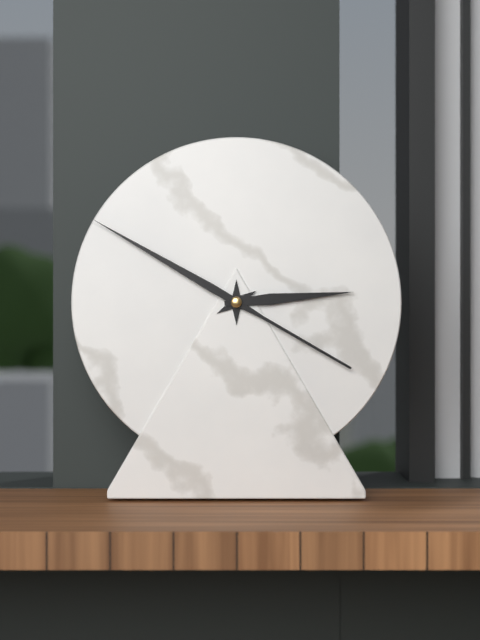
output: 2.50
